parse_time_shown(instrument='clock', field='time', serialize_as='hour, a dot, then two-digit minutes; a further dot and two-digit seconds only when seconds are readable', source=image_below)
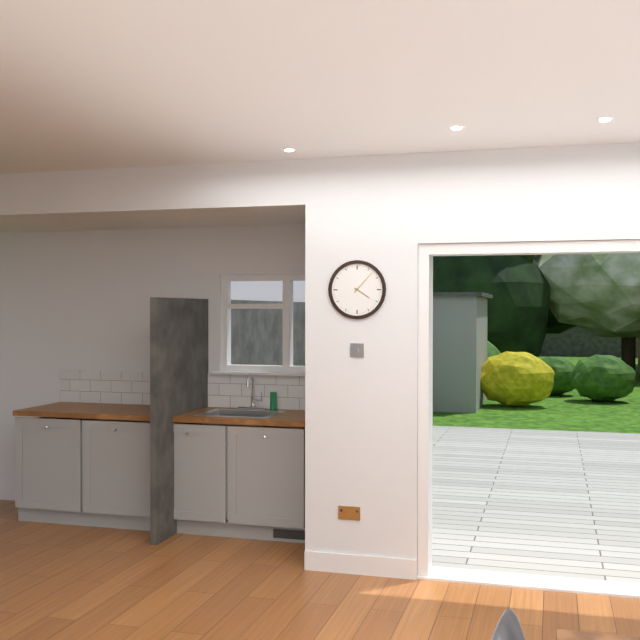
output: 4.07
